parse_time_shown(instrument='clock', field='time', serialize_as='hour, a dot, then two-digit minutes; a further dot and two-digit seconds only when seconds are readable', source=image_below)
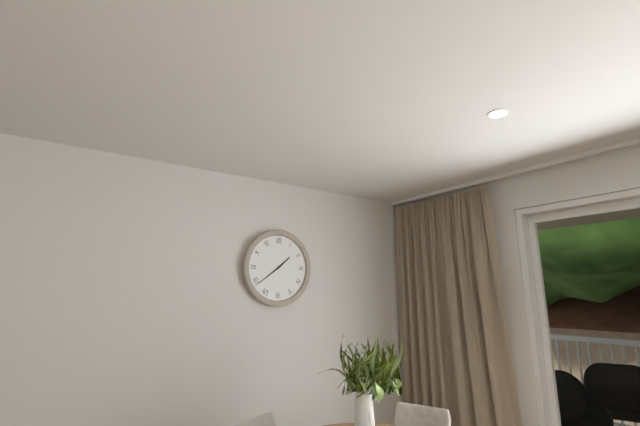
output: 1.39
